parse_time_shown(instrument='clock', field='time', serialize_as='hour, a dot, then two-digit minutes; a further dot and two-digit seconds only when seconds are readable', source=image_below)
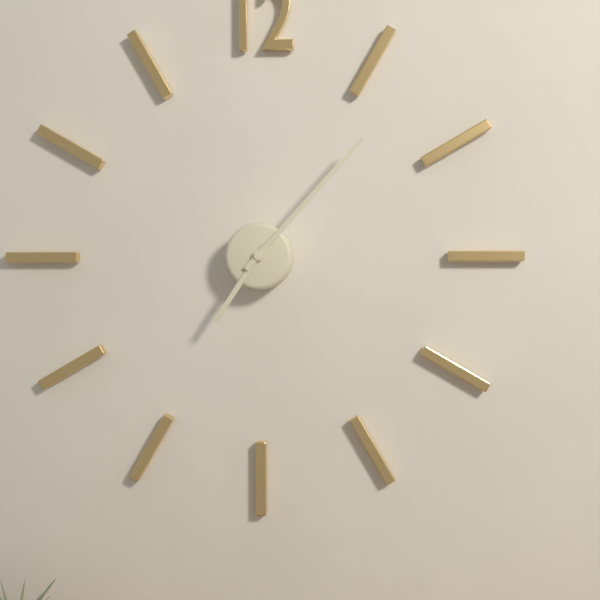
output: 7.07
